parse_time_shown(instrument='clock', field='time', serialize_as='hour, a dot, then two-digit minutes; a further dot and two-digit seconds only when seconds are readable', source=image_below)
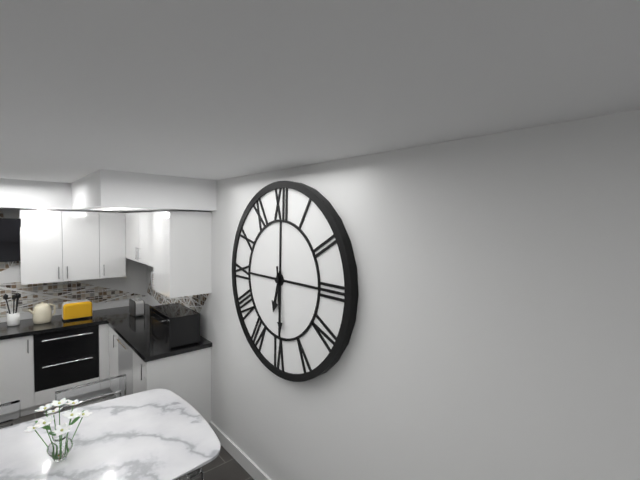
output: 6.29
